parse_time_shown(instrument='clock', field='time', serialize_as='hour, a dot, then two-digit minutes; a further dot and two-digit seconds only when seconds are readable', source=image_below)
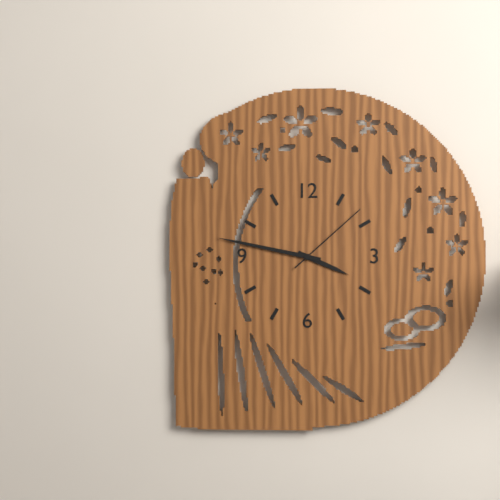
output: 3.47.08
